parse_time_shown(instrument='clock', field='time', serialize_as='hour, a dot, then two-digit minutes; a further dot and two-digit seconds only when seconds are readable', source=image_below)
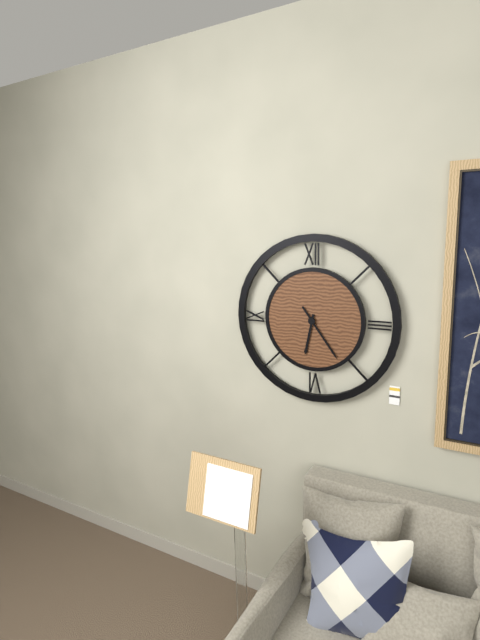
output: 6.24
